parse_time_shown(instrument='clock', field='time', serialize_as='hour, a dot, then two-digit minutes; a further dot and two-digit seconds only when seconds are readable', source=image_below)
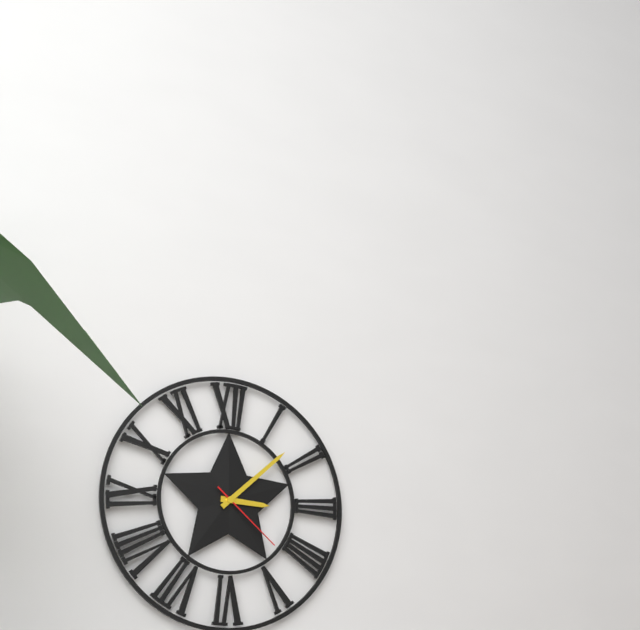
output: 3.08.22
